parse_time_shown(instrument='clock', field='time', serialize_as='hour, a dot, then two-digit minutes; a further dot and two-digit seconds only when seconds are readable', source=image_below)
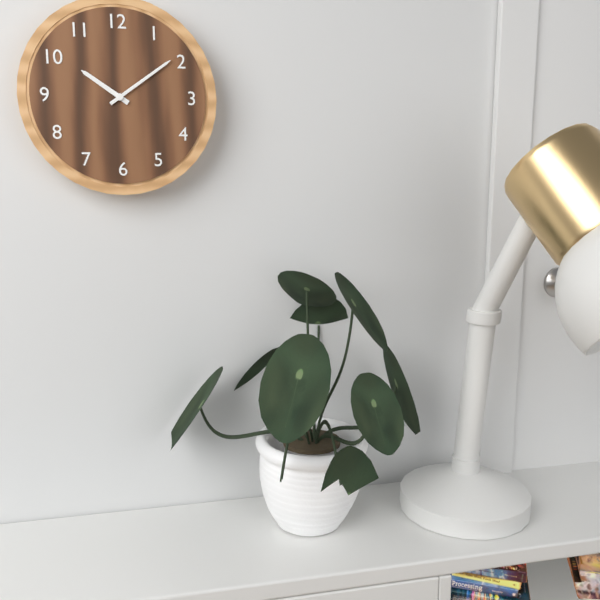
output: 10.09
